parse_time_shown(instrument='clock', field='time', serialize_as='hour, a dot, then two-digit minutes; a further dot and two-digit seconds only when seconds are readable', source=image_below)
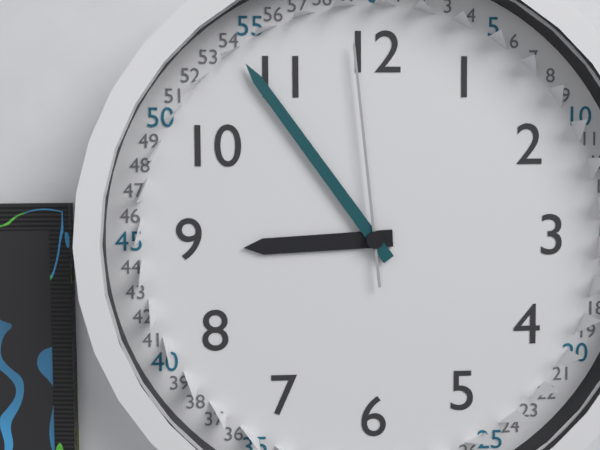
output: 8.54.59
